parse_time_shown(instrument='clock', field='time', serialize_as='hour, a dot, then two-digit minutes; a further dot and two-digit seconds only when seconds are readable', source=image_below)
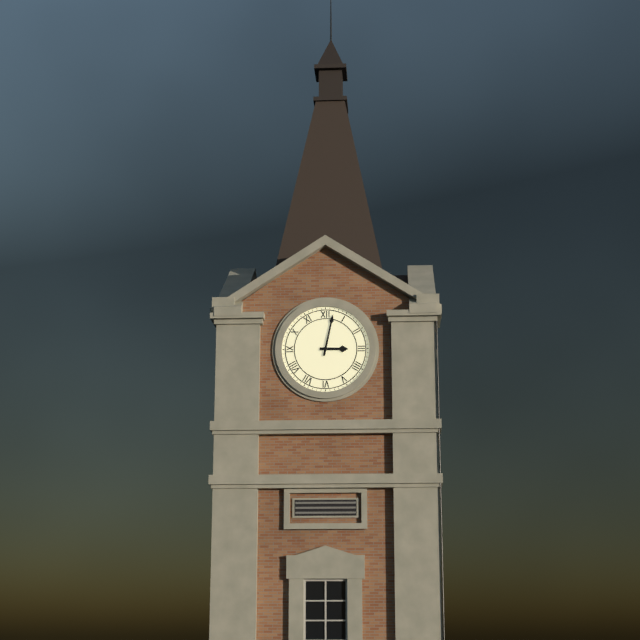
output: 3.02
